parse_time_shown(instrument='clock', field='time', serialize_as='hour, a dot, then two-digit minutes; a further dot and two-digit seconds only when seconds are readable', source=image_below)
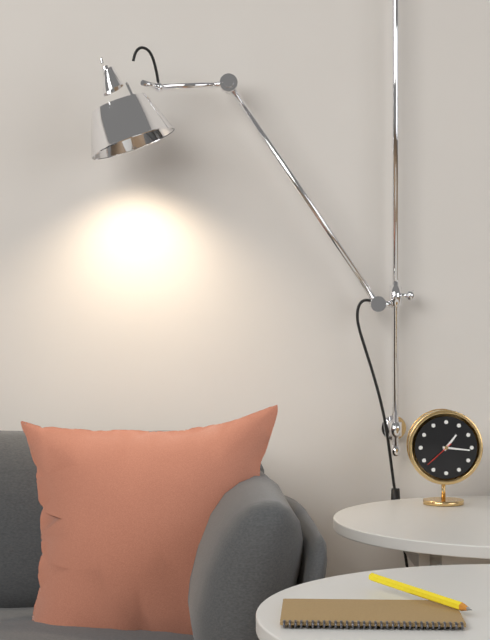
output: 1.16
